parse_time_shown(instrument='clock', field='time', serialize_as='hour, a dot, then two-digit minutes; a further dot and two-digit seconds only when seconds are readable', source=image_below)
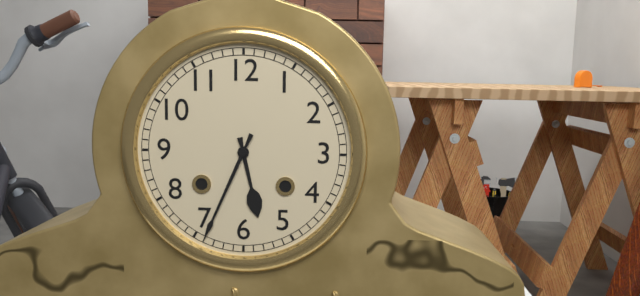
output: 5.34
